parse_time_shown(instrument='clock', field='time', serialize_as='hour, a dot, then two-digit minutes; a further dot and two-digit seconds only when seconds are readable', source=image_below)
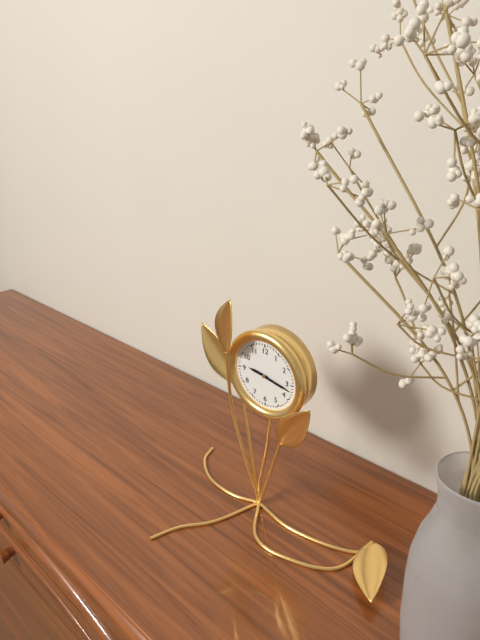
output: 9.17
